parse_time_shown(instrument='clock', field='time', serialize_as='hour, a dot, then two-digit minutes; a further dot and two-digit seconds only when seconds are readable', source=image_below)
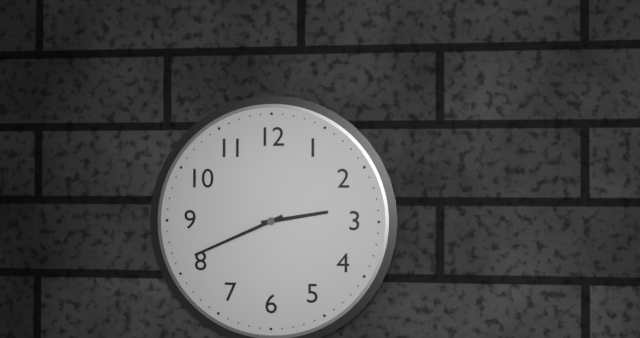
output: 2.41
